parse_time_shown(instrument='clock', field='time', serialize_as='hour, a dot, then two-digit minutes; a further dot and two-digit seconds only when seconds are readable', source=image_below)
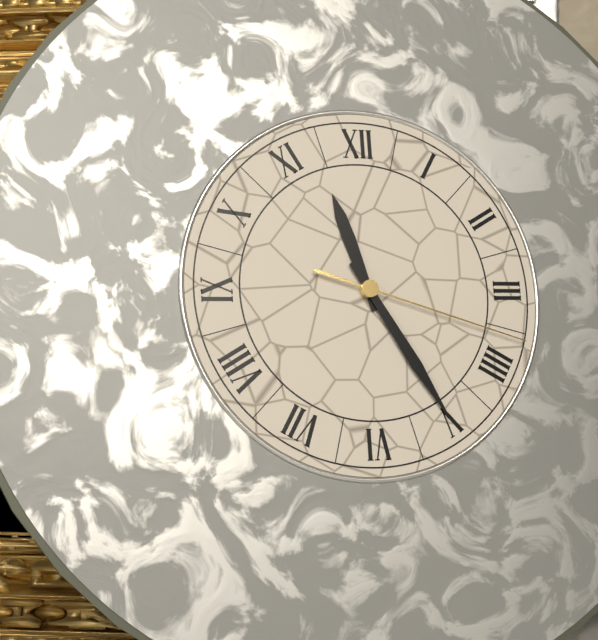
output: 11.25.18
